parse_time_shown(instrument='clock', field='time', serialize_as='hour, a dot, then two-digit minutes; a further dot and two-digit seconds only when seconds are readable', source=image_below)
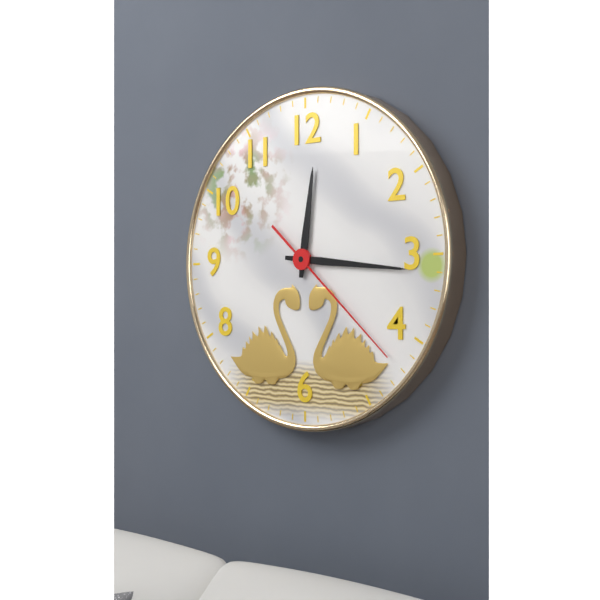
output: 12.16.22
